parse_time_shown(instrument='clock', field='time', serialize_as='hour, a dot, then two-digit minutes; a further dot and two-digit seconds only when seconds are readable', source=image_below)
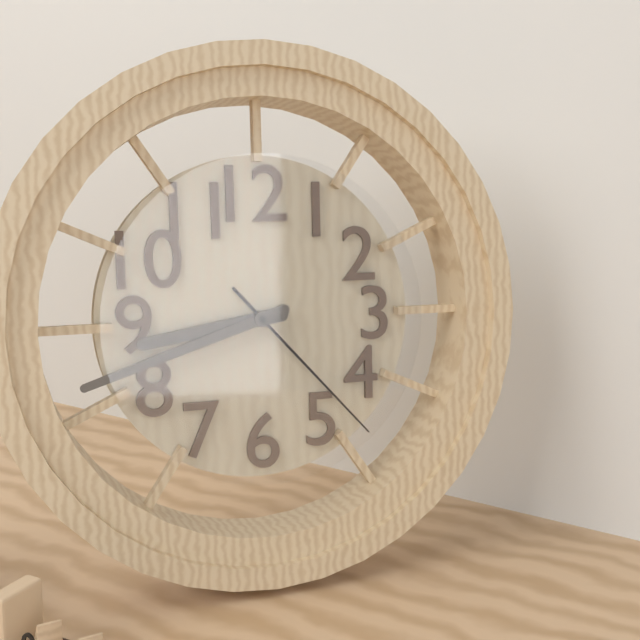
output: 8.42.23
